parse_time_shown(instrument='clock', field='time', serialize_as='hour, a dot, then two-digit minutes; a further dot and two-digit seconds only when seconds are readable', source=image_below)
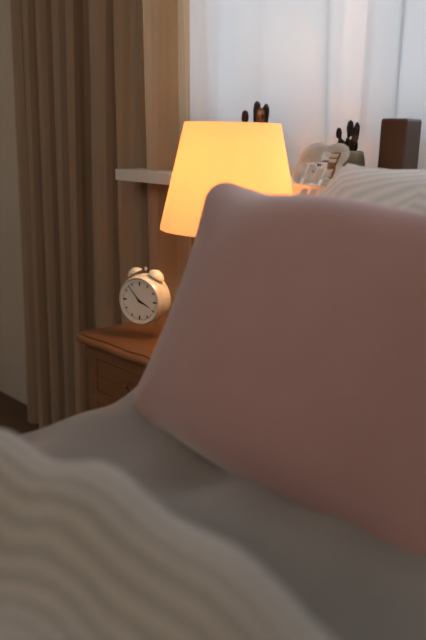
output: 3.53
